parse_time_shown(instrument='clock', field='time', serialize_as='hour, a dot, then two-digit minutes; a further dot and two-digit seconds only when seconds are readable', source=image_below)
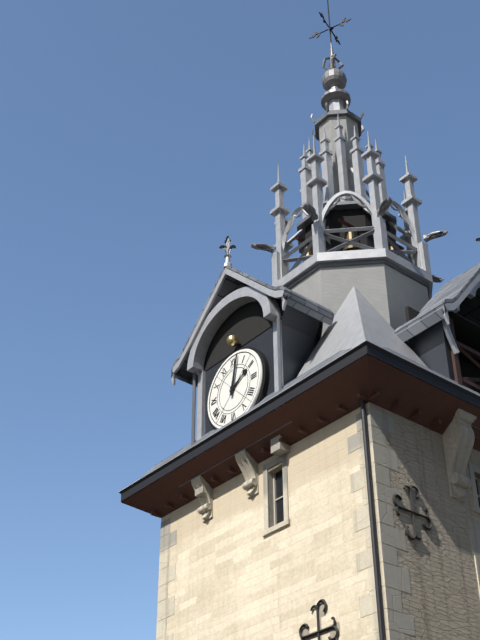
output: 2.02
